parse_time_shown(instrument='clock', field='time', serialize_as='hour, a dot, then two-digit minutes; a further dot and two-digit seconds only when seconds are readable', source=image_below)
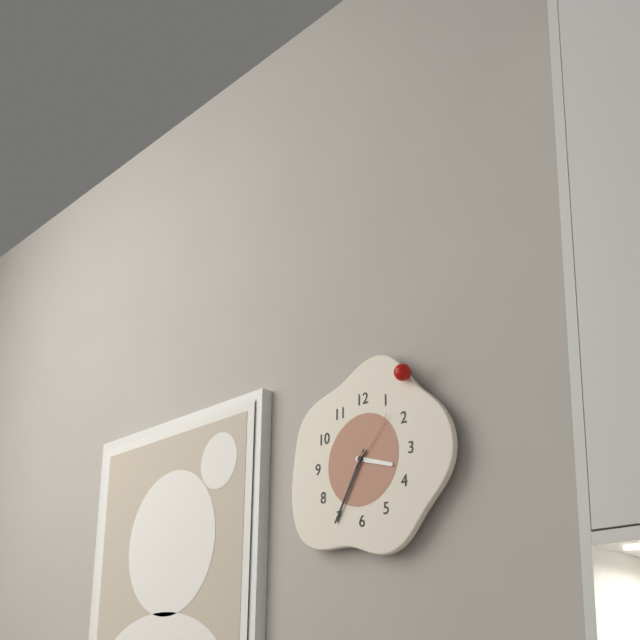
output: 3.35.07
